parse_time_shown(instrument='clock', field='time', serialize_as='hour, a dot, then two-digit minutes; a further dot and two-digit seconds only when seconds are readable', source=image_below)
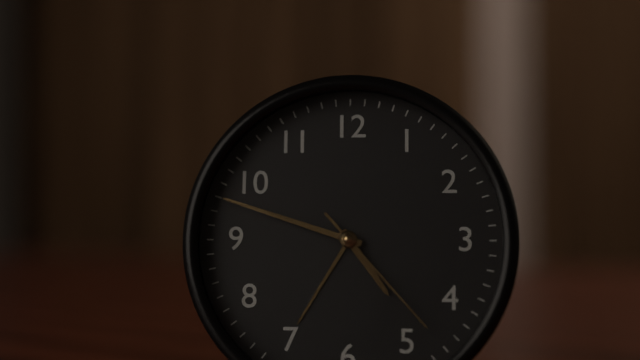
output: 4.48.23
